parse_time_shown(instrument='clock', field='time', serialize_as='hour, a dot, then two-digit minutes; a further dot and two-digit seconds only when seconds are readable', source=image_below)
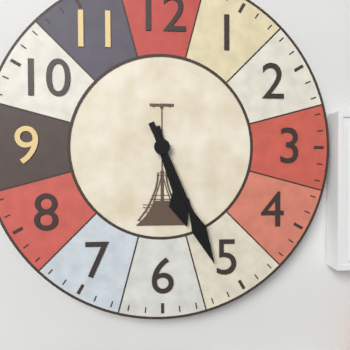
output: 5.26
